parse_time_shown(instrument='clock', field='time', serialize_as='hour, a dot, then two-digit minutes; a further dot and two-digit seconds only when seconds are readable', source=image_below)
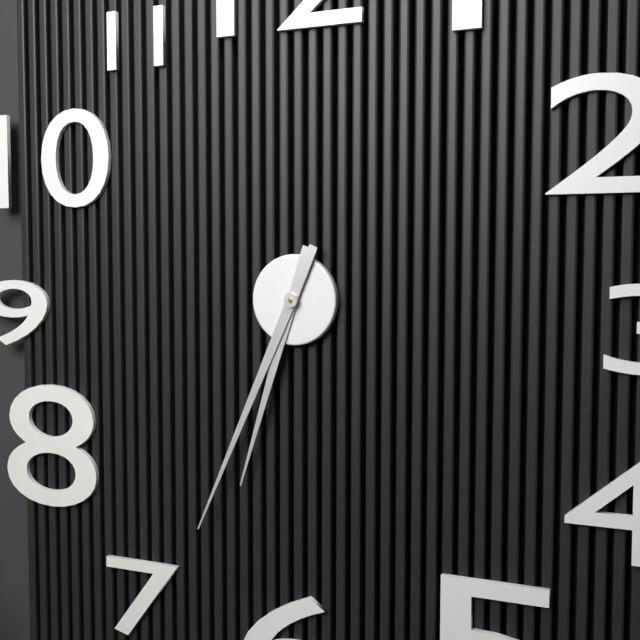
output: 6.34
